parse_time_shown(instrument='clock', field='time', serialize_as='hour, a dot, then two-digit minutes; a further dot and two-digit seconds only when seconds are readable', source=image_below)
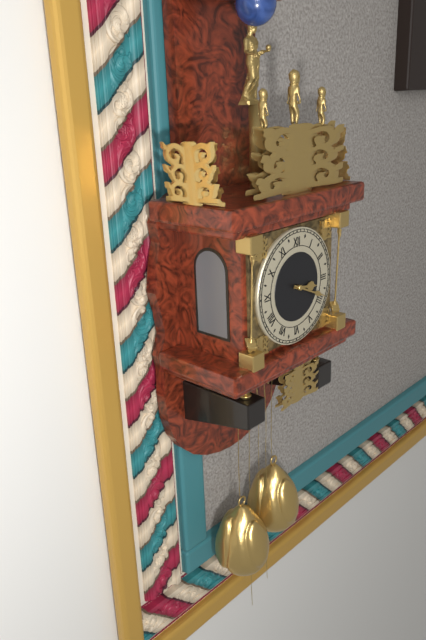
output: 3.19
